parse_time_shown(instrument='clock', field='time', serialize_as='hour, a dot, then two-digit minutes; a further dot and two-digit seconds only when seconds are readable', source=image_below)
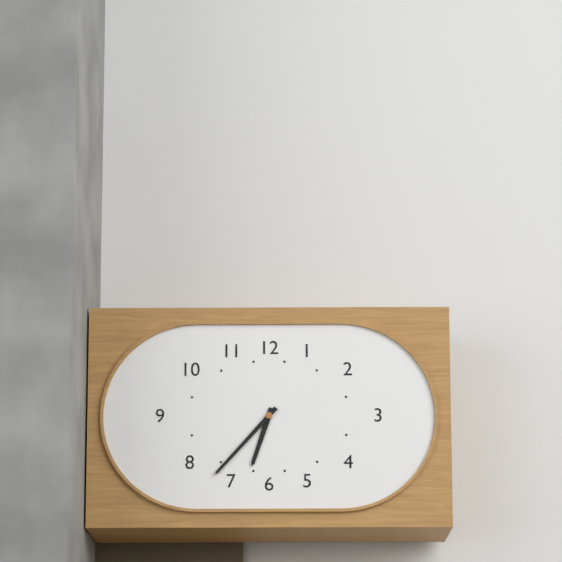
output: 6.37
